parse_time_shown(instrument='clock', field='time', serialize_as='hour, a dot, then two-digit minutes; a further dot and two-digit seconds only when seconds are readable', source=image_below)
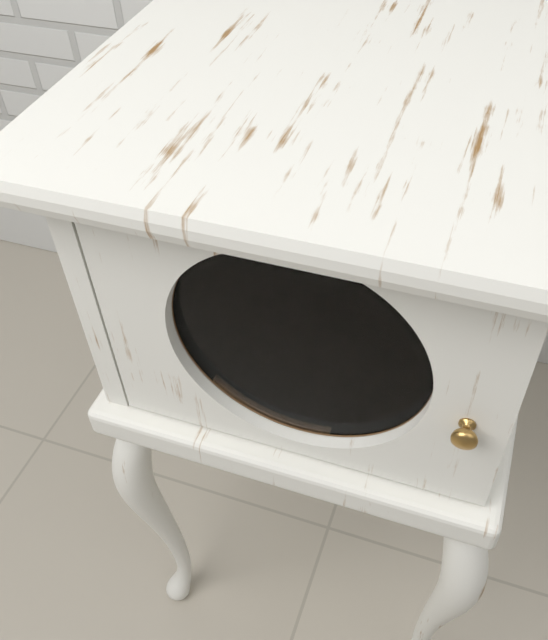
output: 4.45
